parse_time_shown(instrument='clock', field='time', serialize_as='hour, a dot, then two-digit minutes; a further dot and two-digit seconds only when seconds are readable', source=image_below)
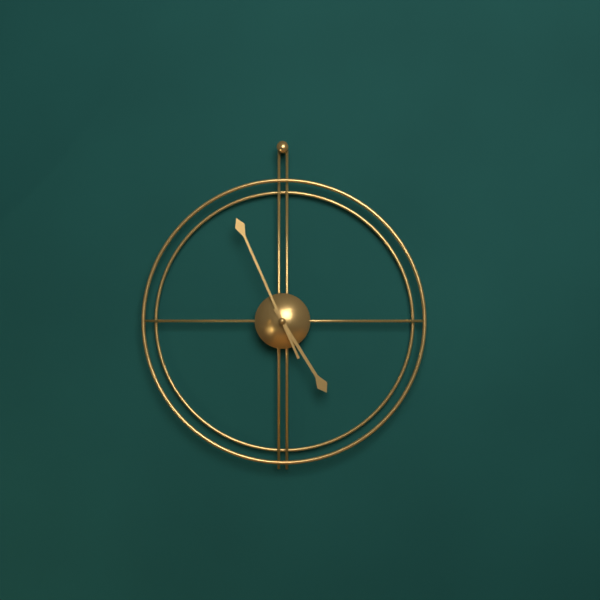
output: 4.56
